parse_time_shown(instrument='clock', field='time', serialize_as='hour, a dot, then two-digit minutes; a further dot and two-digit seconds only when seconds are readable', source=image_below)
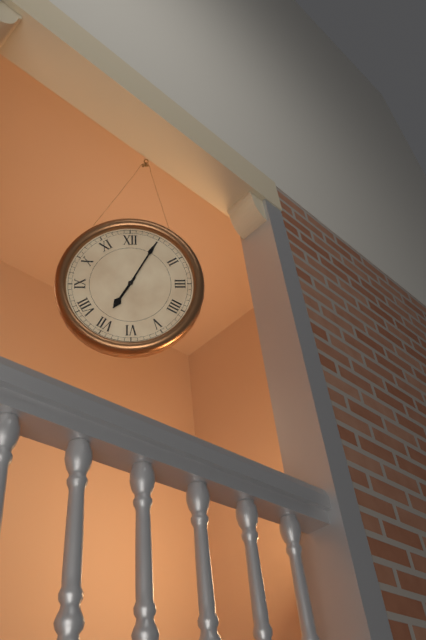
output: 7.05
